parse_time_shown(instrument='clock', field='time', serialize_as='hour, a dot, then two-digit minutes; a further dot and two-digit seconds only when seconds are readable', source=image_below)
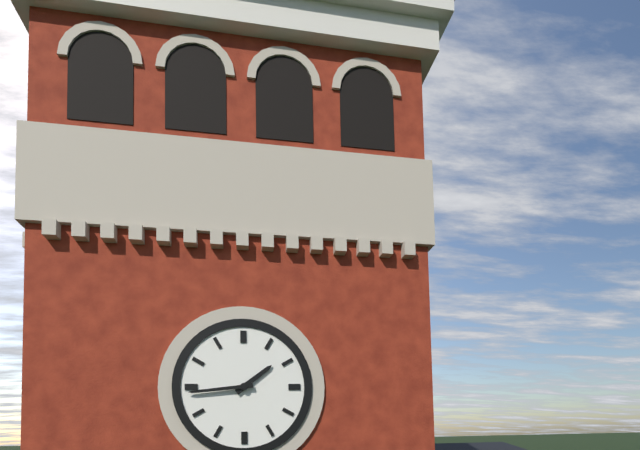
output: 1.44
